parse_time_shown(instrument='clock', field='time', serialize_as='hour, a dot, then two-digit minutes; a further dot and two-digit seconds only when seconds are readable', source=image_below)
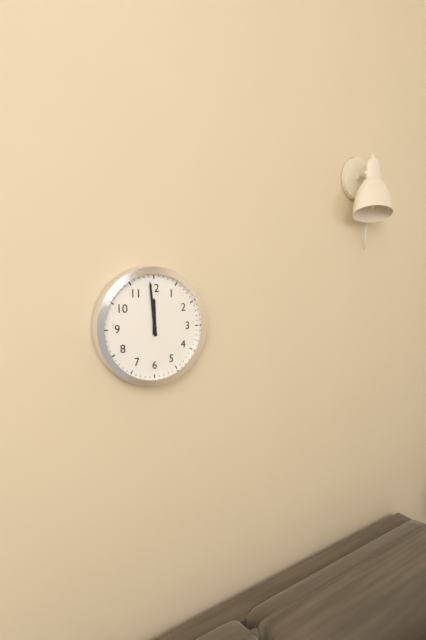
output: 11.59
